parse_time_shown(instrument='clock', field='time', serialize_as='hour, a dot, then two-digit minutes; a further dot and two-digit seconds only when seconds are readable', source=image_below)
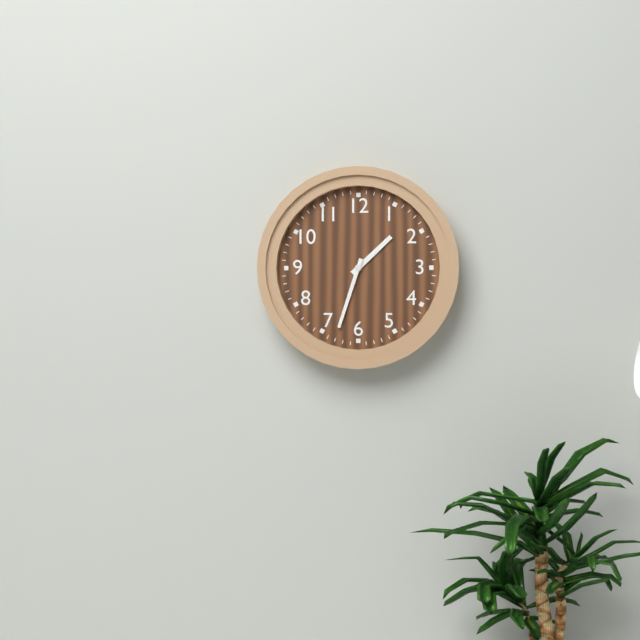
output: 1.33
